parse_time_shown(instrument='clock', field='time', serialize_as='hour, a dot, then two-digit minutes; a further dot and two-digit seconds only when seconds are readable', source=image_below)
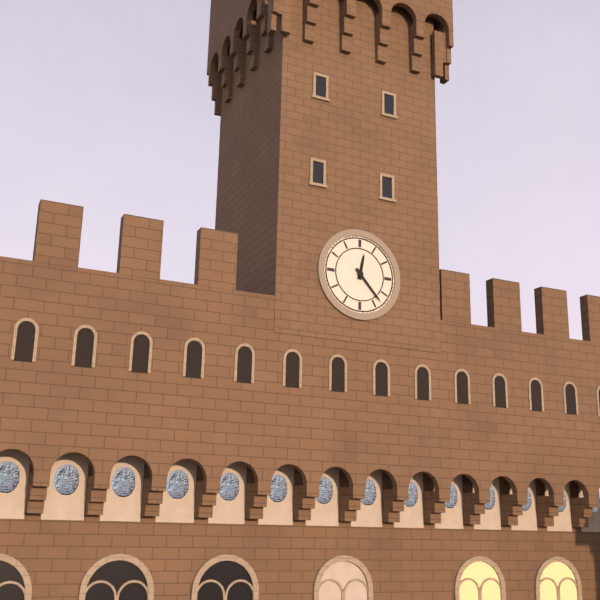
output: 12.23
